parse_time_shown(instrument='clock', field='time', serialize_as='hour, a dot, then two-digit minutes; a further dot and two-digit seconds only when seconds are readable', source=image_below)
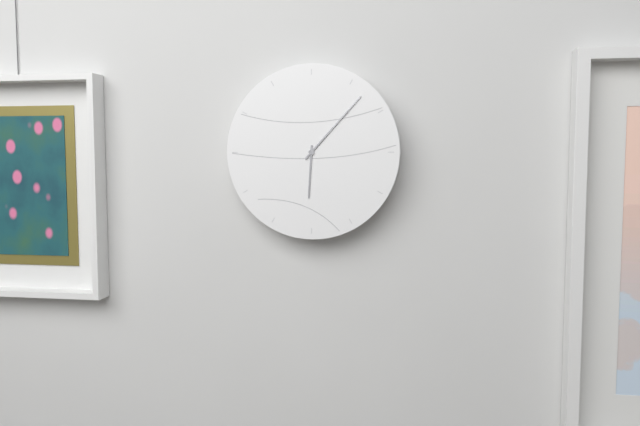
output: 6.07
